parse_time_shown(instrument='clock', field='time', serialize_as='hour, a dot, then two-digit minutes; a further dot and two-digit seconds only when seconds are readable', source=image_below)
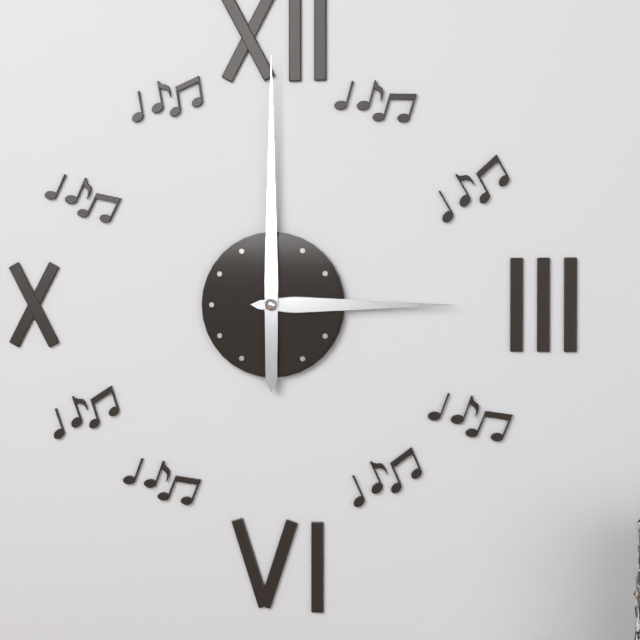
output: 3.00
